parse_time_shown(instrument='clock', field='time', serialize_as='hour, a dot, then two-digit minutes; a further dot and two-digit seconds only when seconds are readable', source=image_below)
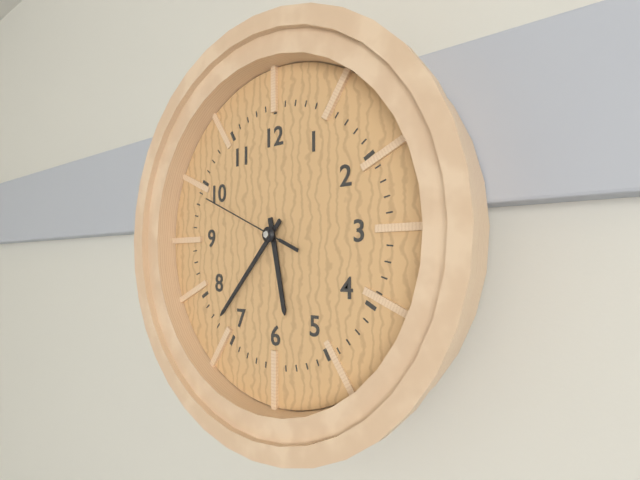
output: 5.37.49
